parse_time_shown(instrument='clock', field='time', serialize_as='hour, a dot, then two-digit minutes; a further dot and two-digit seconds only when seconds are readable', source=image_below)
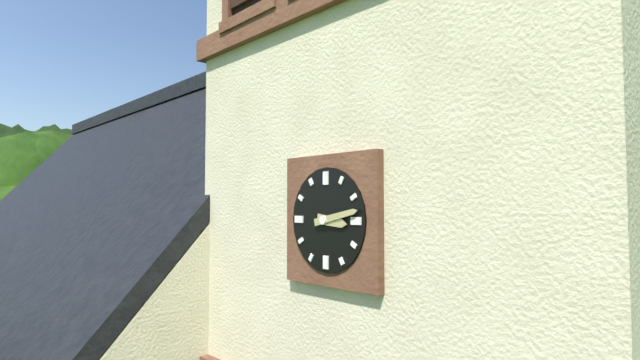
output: 3.13
